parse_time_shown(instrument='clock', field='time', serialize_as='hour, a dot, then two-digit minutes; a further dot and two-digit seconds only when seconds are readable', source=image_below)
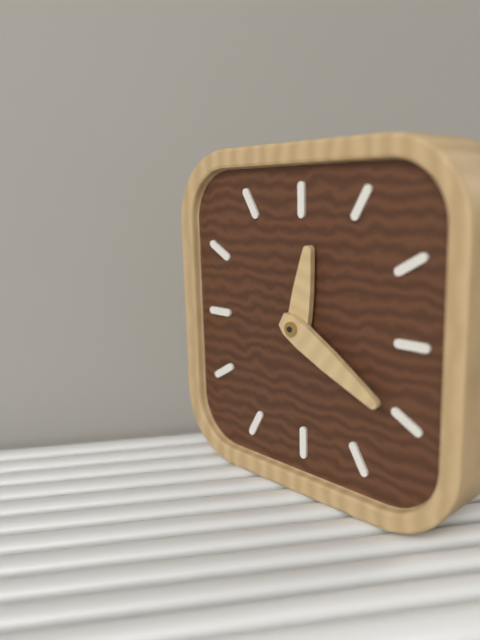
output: 12.20
